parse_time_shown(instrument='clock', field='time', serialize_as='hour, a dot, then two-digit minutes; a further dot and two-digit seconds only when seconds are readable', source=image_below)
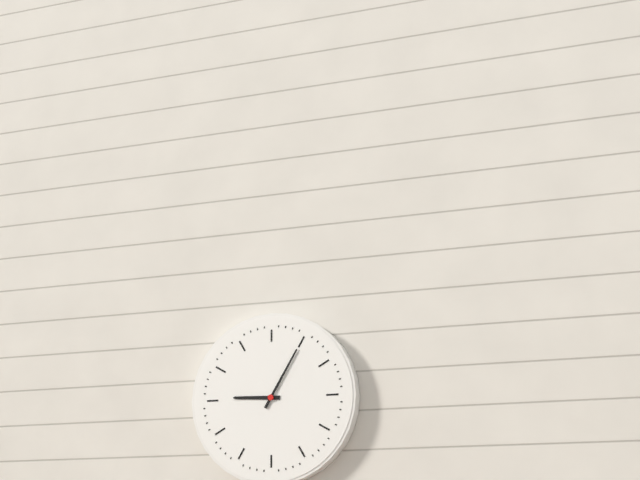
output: 9.05
